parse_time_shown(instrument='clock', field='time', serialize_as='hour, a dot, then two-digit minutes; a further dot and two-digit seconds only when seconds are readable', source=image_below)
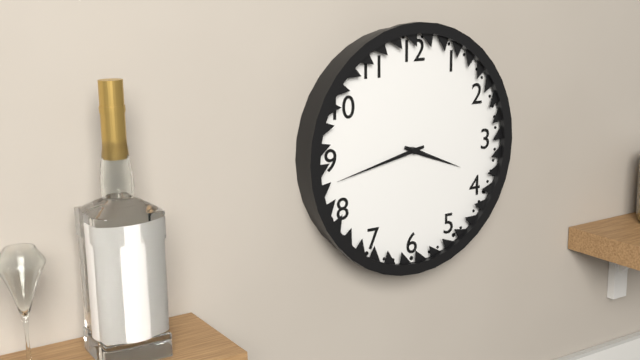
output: 3.43
